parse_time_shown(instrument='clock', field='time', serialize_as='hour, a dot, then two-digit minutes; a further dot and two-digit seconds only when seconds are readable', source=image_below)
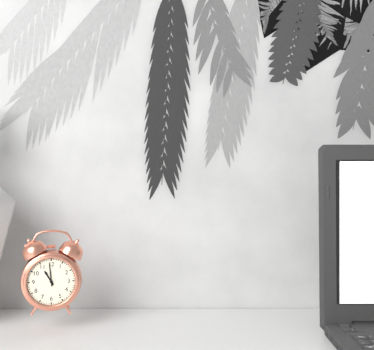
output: 10.59
